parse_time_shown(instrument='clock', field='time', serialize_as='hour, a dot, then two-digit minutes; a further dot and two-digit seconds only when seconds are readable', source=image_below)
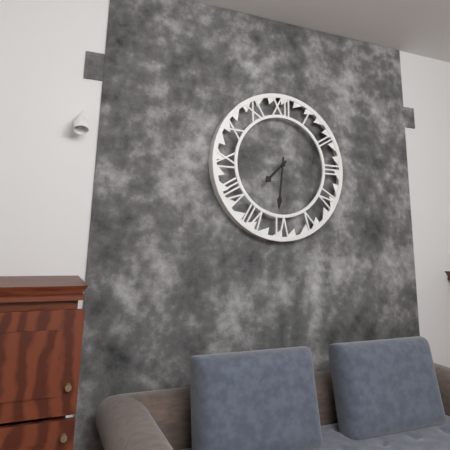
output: 7.31
